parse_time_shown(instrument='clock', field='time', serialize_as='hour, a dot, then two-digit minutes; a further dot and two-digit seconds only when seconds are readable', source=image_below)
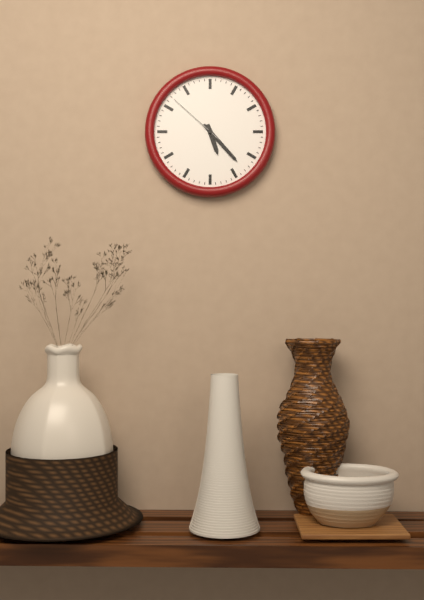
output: 5.23.52
